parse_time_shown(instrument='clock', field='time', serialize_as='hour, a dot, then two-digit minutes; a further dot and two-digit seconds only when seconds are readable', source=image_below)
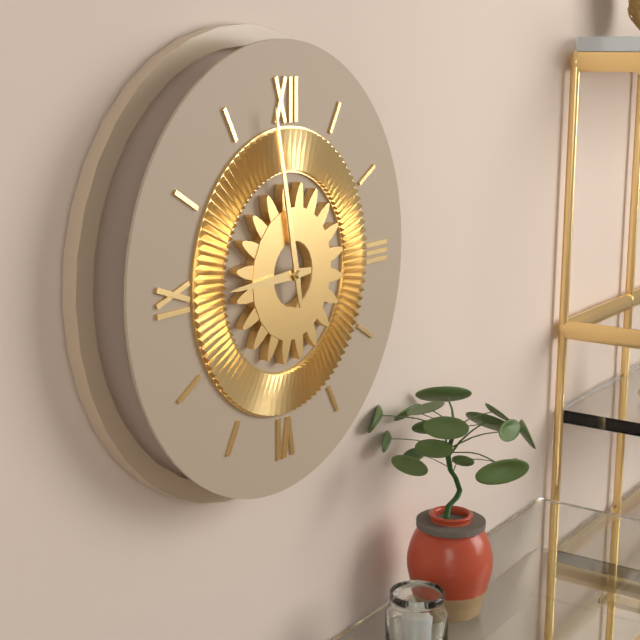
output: 8.58
